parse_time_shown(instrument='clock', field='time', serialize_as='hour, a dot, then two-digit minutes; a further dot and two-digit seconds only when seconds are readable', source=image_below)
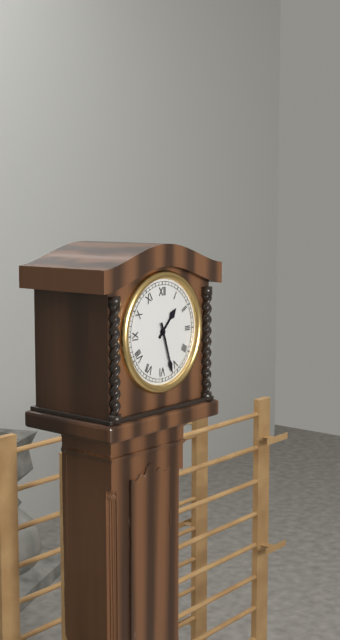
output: 1.27
